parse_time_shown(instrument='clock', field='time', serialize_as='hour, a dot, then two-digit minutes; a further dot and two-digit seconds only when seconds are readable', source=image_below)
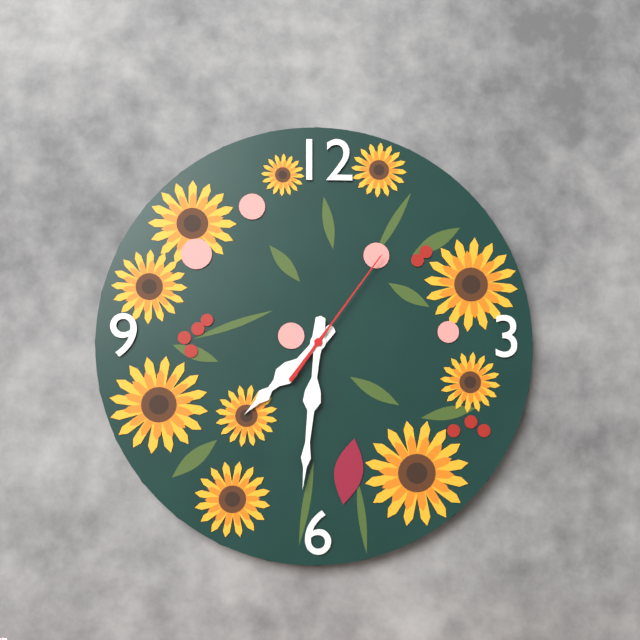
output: 7.31.06
